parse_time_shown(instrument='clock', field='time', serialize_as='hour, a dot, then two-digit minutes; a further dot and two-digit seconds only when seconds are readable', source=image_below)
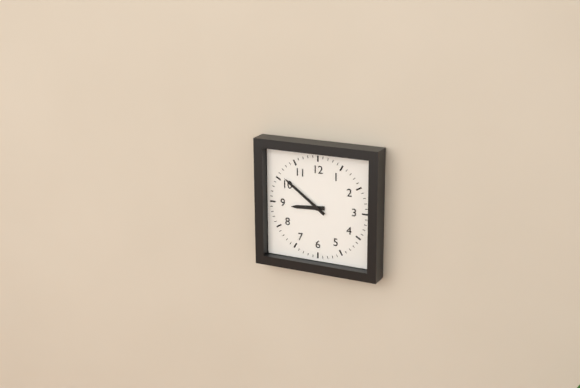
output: 8.51
